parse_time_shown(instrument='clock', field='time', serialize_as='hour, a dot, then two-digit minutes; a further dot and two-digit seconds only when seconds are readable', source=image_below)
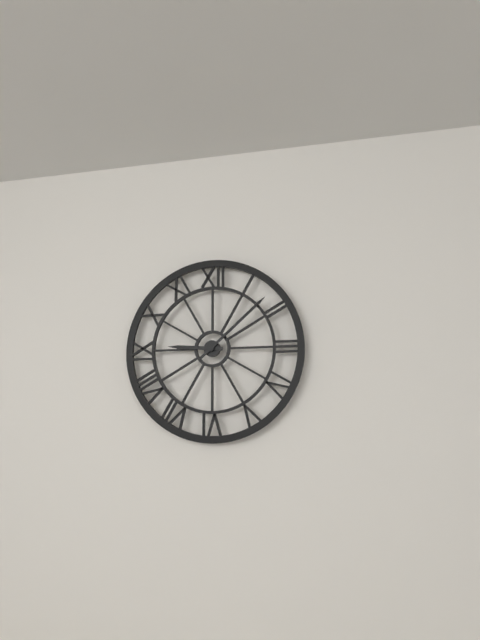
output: 9.08
